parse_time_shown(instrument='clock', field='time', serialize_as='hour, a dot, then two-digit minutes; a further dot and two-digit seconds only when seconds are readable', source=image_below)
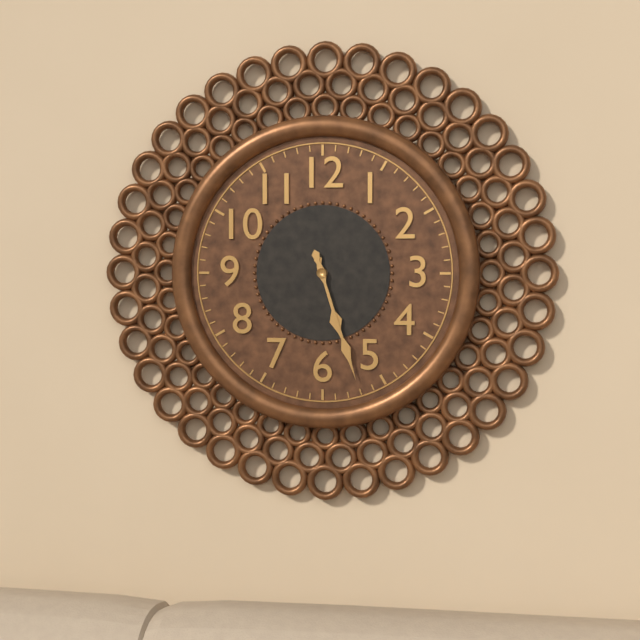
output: 5.27
